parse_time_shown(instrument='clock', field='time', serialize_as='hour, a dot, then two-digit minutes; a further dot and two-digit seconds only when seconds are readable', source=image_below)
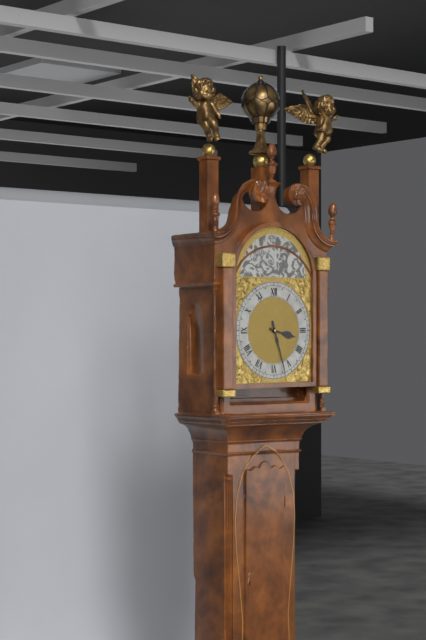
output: 3.27
